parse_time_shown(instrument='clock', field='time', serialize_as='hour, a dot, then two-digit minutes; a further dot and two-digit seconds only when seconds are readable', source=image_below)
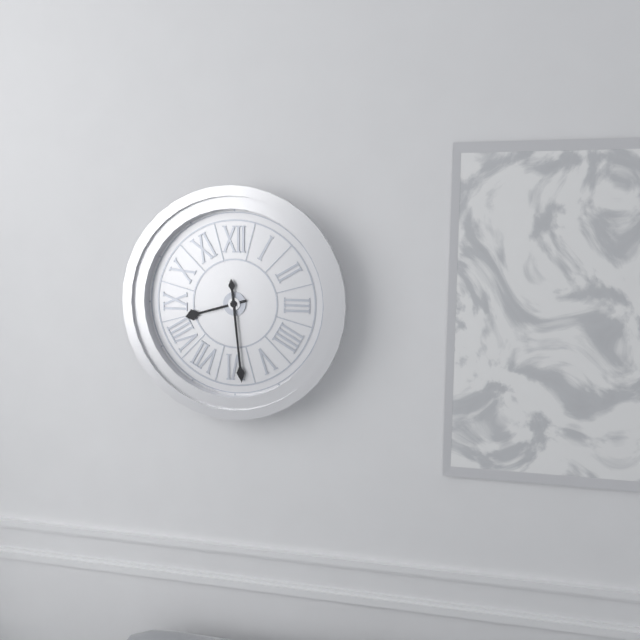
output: 8.29
